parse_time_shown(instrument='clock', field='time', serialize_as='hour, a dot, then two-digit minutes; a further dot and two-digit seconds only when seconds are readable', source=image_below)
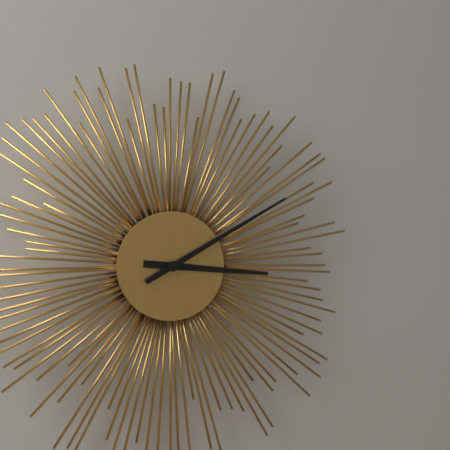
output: 3.10
